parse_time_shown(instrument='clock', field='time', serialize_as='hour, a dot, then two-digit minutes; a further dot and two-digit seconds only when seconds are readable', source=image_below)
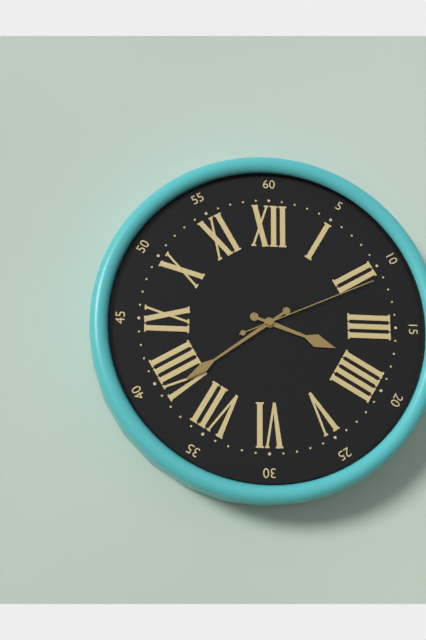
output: 3.39.11
